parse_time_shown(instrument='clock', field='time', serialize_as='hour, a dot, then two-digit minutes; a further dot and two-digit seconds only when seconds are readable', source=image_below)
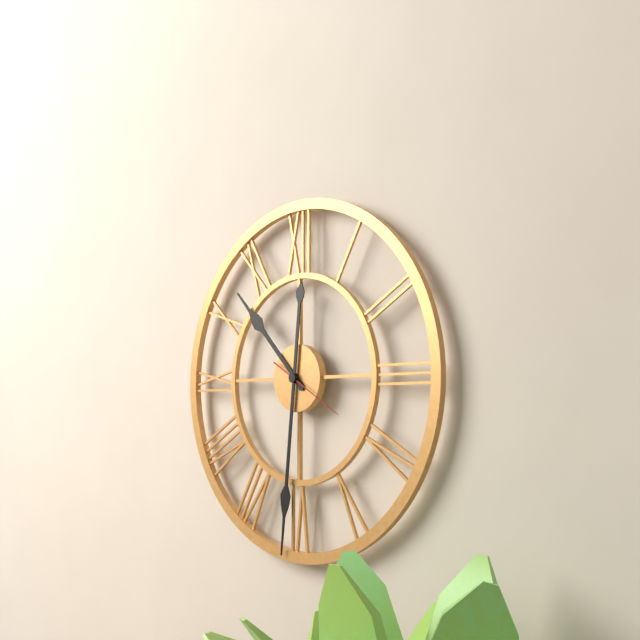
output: 10.31.20
